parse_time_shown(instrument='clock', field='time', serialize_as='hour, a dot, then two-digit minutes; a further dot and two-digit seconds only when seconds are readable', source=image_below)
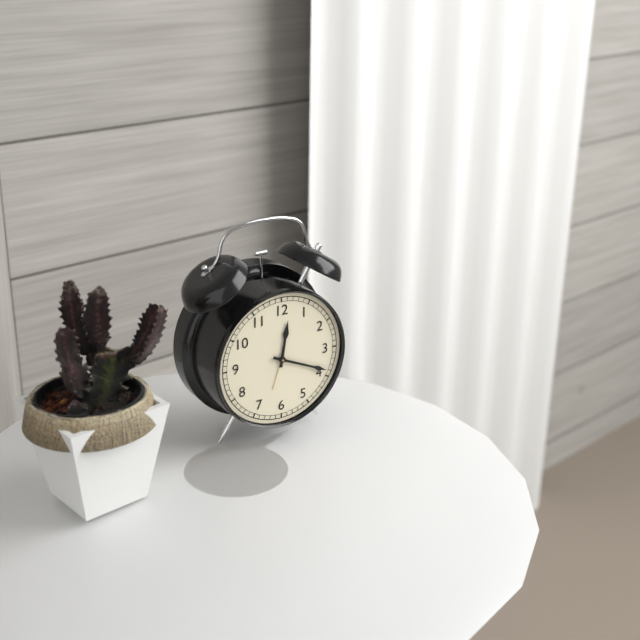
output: 12.19
